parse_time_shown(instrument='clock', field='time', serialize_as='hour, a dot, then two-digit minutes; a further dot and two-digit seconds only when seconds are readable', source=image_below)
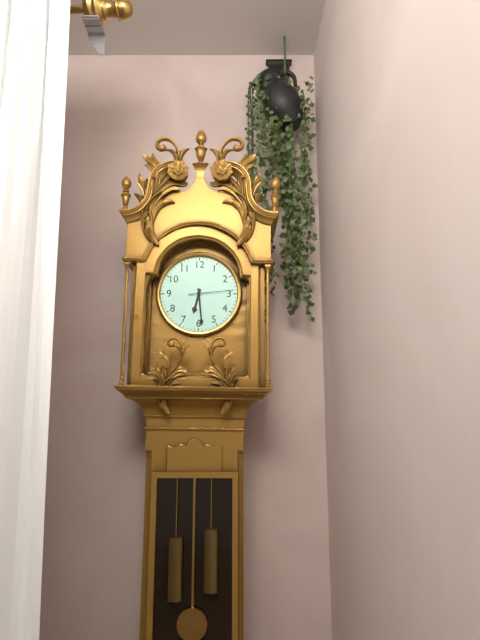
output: 6.29
